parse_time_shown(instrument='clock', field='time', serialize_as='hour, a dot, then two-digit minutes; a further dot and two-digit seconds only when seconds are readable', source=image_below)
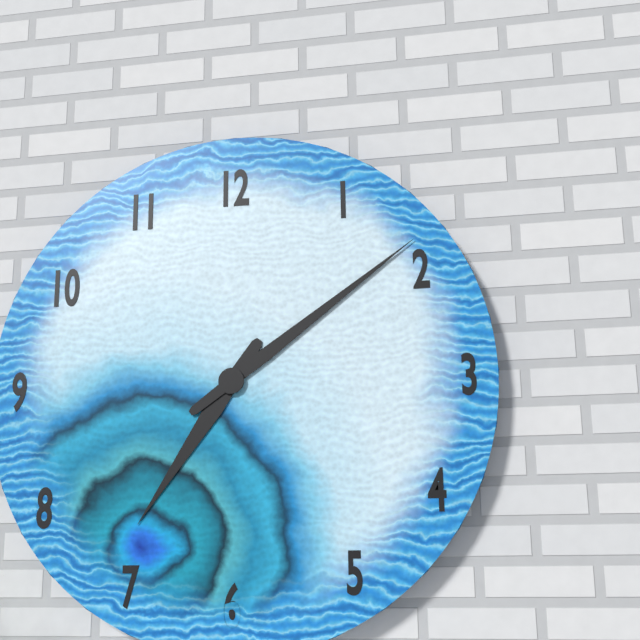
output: 7.09
